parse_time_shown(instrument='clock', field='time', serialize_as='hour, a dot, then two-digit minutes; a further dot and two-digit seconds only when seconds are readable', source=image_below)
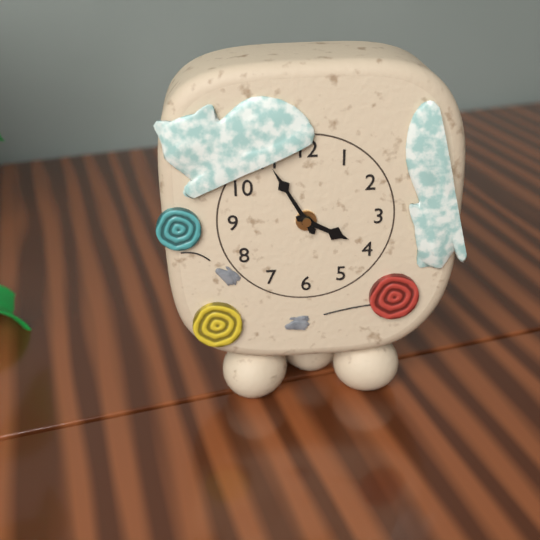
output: 3.55
